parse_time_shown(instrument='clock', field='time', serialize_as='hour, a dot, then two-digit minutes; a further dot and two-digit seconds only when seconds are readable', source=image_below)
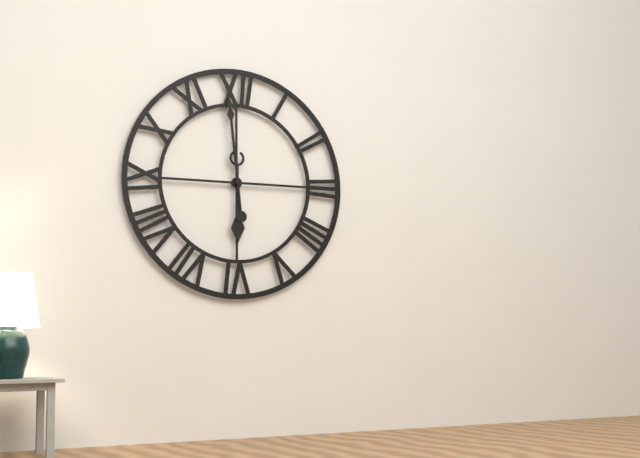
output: 5.59
